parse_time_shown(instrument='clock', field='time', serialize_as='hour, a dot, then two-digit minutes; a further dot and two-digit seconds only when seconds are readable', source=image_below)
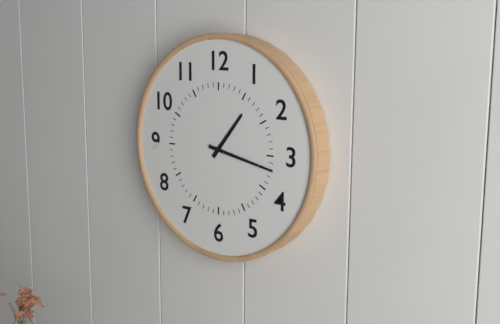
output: 1.17
